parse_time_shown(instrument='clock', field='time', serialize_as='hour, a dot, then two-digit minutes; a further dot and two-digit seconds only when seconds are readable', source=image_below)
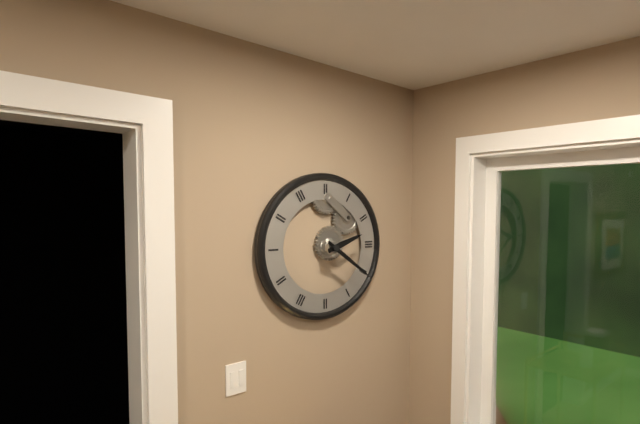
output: 2.21
